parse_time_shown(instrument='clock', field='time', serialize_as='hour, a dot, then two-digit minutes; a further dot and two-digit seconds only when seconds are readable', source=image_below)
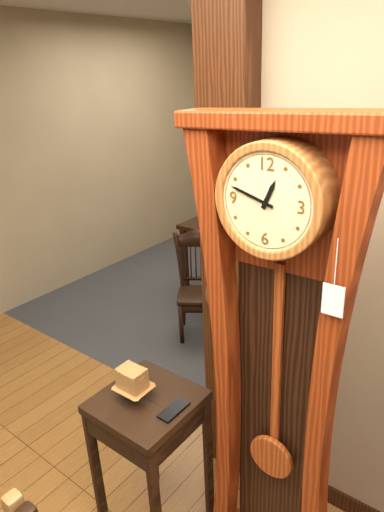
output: 12.48
